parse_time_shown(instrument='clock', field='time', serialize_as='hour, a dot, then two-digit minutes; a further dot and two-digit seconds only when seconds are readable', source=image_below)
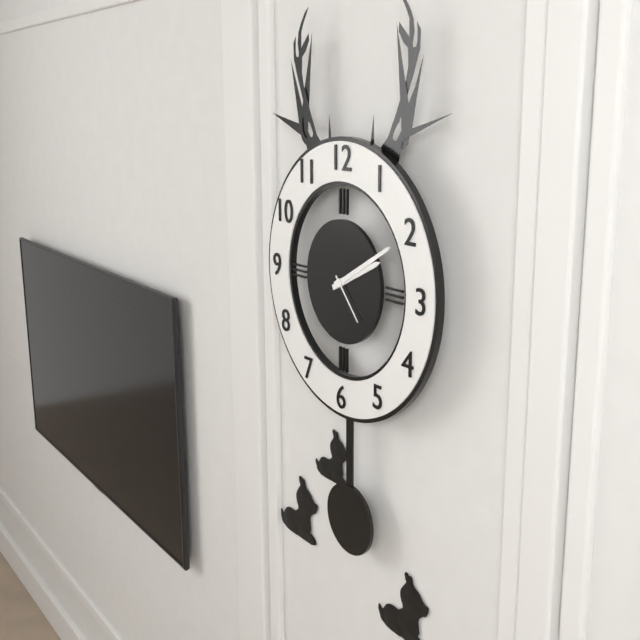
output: 2.10.23
